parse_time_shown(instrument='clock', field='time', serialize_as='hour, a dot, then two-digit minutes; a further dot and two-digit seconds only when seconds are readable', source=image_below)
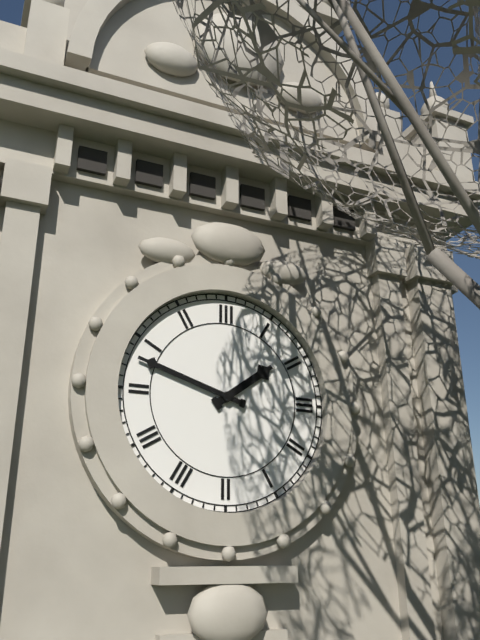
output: 1.48
